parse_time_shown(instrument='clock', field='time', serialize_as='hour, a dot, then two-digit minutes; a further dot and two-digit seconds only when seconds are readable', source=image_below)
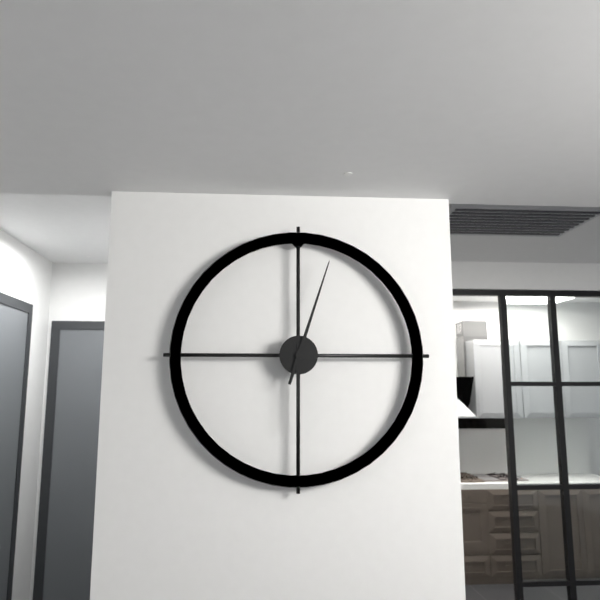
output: 6.03
